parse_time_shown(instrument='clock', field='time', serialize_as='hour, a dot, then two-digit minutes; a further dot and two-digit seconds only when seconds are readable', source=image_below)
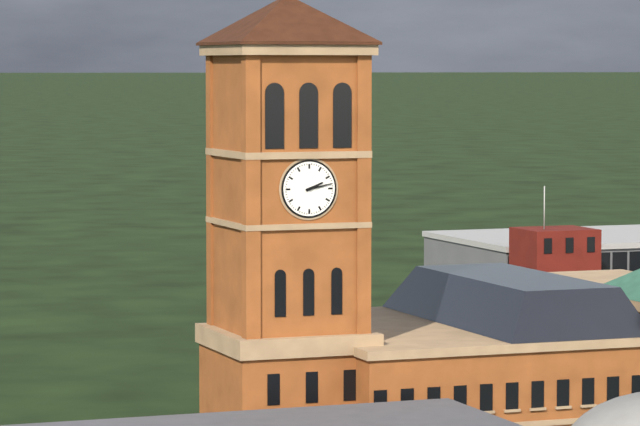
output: 2.13
